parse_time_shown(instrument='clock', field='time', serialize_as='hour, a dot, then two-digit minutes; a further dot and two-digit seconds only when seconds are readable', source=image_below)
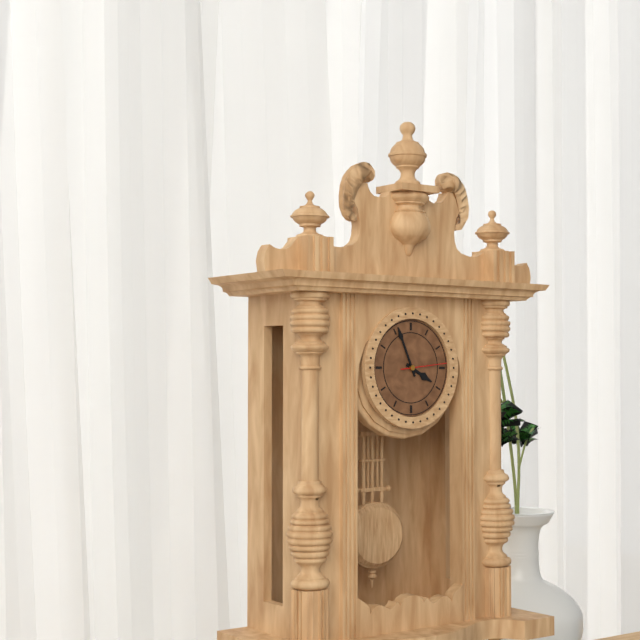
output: 3.56
